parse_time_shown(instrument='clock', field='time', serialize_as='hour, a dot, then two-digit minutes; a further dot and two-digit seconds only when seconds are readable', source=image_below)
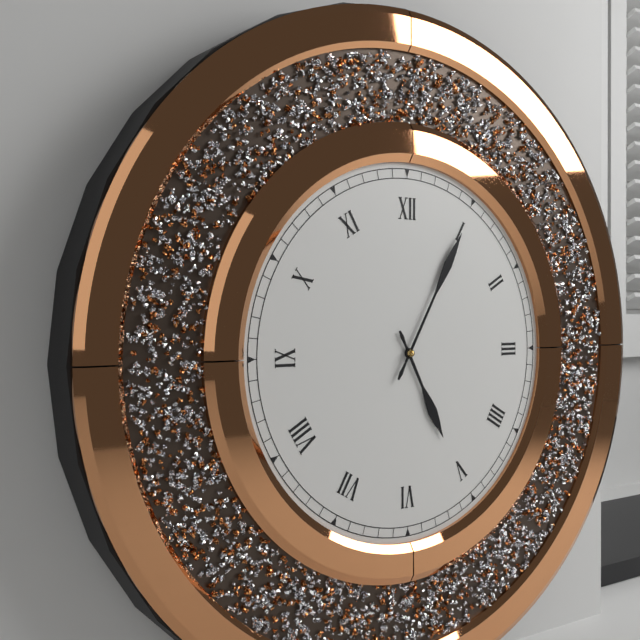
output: 5.05
